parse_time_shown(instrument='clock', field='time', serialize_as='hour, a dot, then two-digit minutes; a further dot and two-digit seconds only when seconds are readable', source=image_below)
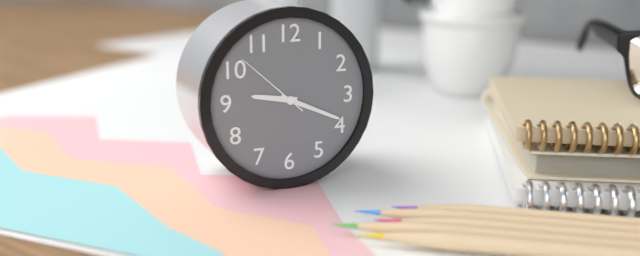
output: 9.19.52
